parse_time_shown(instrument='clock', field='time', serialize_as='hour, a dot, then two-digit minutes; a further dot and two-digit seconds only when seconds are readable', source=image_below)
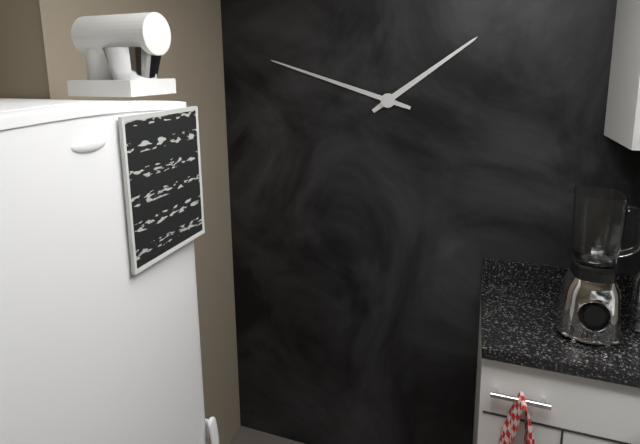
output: 1.48
